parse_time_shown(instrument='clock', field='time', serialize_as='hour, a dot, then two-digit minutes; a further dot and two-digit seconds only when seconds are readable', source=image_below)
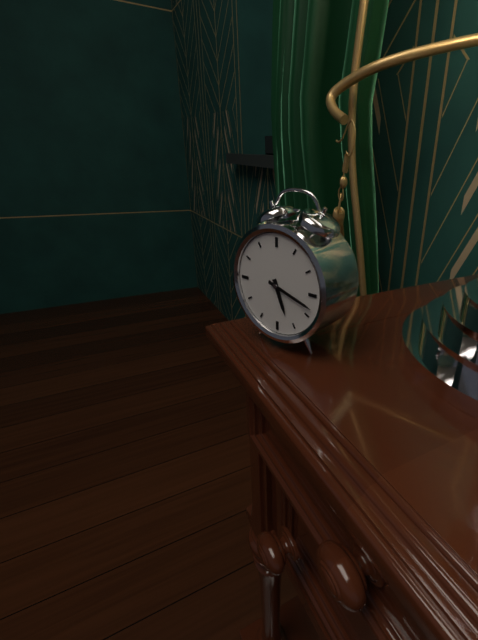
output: 5.18
